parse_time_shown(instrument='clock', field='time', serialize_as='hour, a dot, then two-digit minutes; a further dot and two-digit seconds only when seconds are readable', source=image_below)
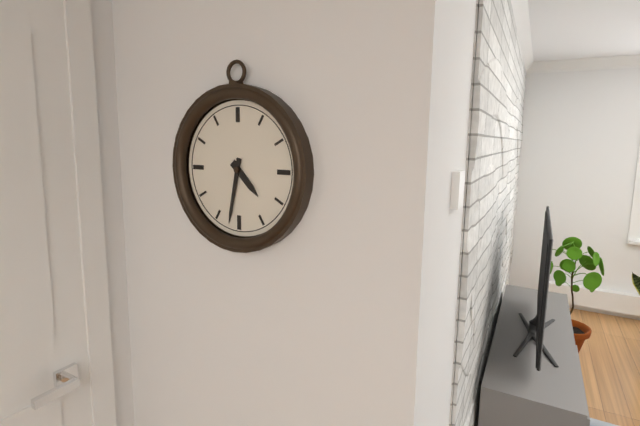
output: 4.32
